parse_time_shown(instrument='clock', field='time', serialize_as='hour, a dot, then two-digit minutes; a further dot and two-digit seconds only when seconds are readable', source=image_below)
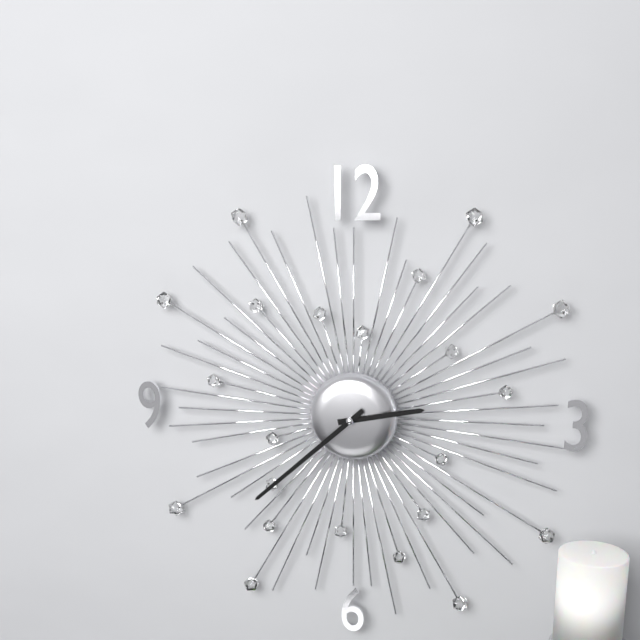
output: 2.38
